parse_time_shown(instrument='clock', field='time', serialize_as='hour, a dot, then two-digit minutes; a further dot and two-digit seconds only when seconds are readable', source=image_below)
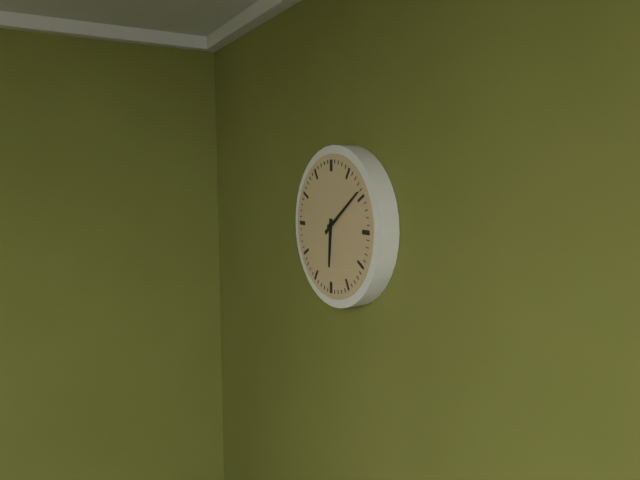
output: 6.09
